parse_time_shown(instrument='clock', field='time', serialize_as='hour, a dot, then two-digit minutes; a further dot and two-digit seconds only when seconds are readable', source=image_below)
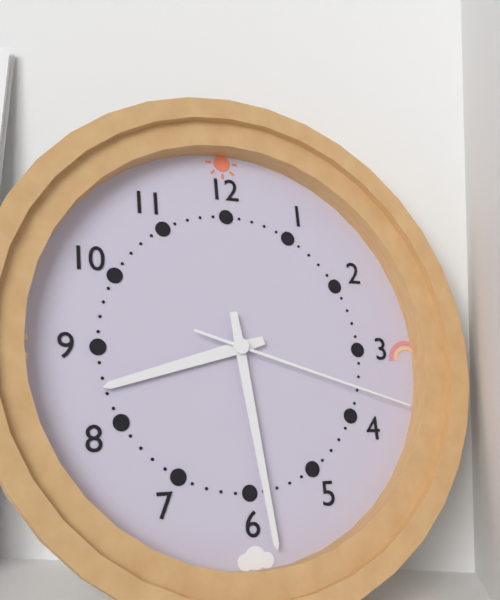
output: 8.29.18
